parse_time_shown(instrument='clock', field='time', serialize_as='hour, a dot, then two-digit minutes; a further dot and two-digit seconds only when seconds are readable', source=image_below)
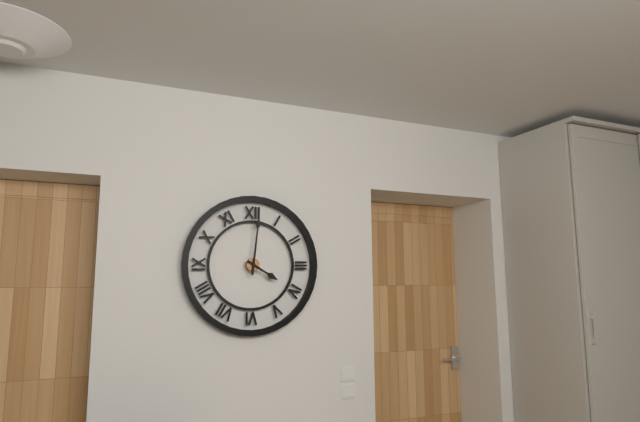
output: 4.01
